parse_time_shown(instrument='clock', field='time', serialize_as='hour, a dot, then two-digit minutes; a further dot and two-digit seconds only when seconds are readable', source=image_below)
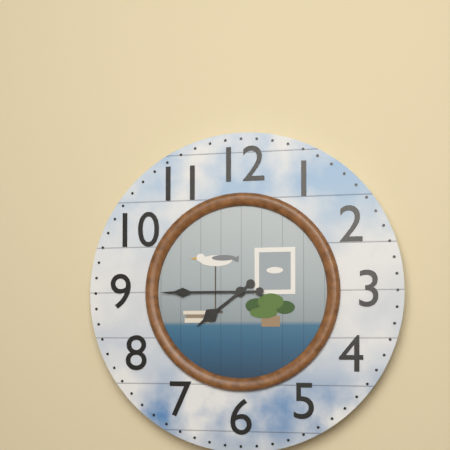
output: 7.45
